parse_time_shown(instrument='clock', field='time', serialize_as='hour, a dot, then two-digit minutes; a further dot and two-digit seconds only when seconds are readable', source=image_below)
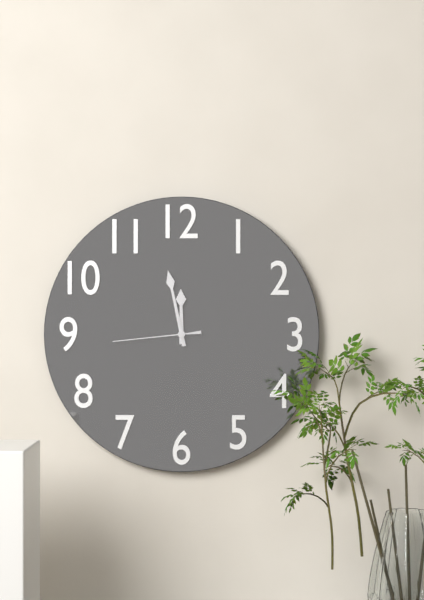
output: 11.58.44
